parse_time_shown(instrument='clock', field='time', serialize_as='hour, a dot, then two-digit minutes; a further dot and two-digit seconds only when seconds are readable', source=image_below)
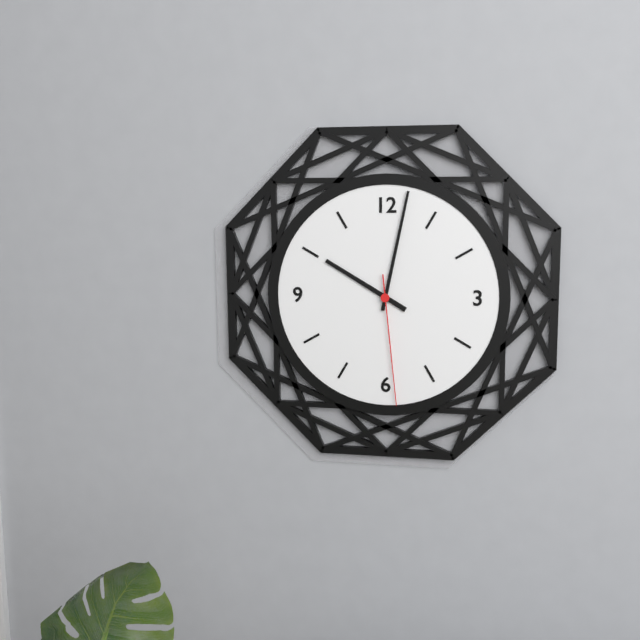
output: 10.02.29
